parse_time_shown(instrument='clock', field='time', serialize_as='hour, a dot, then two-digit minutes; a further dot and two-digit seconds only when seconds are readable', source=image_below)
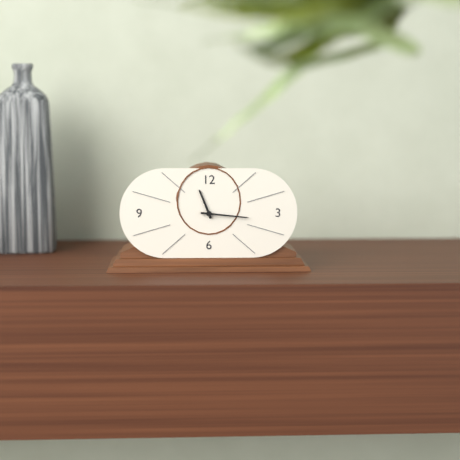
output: 11.16
